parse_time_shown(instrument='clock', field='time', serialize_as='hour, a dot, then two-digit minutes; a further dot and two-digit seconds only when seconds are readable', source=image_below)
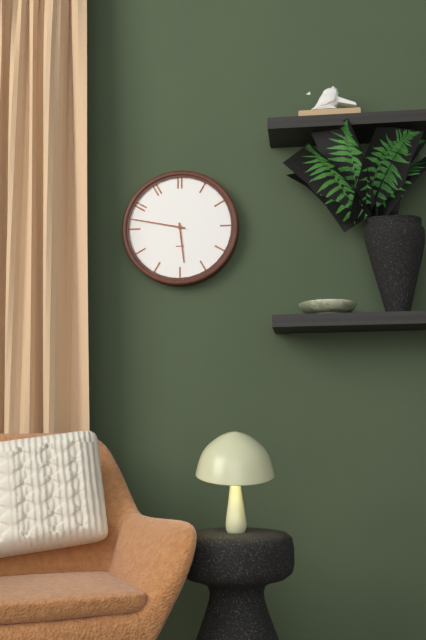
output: 5.47
